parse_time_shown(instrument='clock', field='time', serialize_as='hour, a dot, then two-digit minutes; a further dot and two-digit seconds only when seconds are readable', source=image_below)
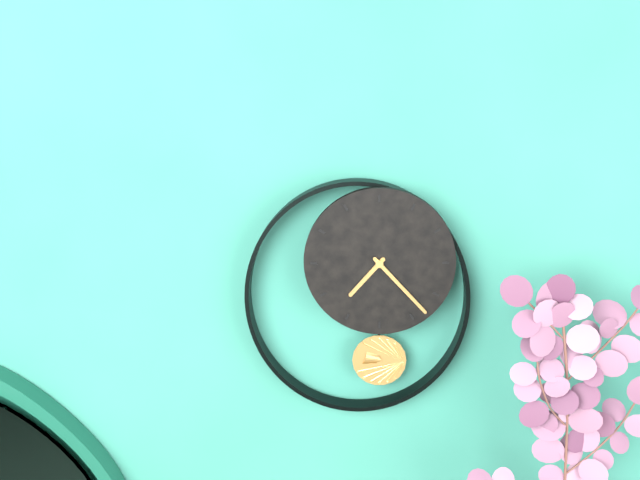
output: 7.23
